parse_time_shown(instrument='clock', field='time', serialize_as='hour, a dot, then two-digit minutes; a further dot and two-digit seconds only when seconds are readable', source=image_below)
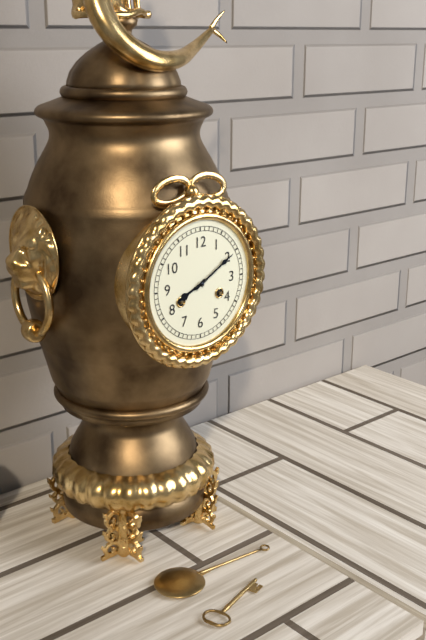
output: 8.10
